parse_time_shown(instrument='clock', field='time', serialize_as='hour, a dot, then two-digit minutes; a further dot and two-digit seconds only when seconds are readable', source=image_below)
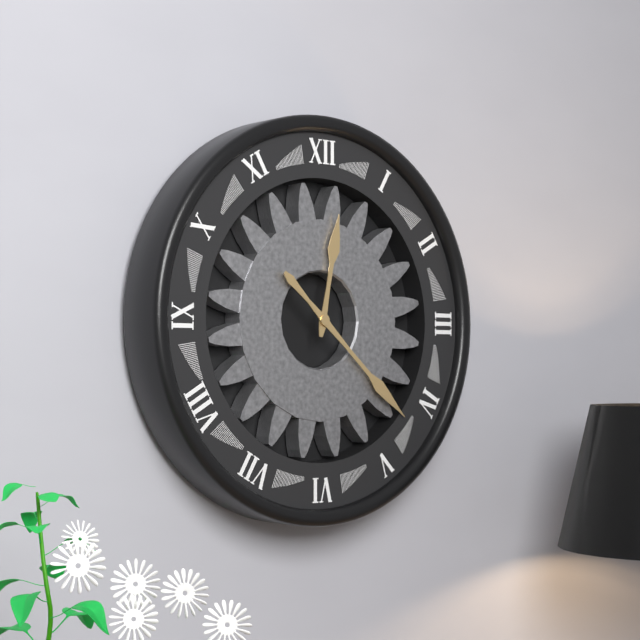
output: 12.22
